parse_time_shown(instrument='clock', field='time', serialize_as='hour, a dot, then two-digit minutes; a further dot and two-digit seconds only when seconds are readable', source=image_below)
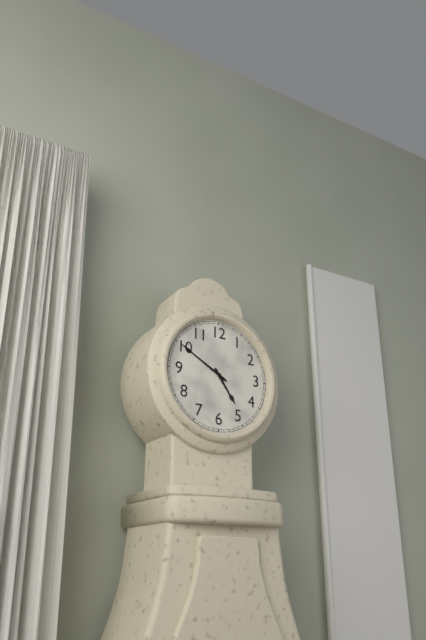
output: 4.50
